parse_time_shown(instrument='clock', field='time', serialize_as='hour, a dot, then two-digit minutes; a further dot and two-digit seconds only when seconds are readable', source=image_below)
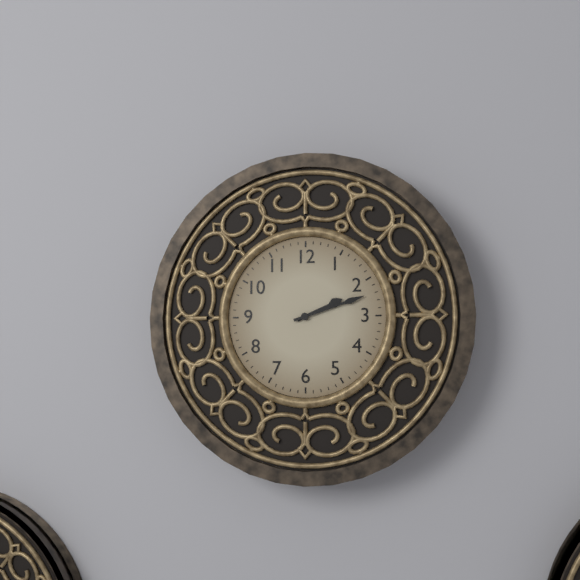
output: 2.12
